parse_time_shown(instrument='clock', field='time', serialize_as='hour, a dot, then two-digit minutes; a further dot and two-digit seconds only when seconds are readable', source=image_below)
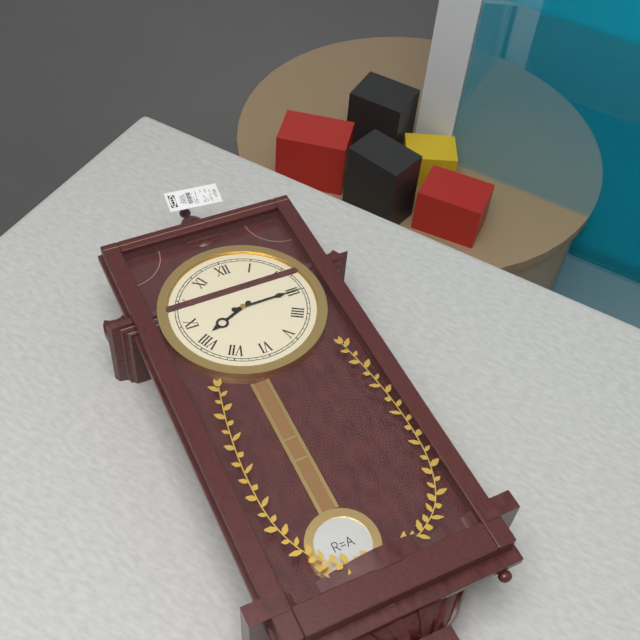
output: 8.15
